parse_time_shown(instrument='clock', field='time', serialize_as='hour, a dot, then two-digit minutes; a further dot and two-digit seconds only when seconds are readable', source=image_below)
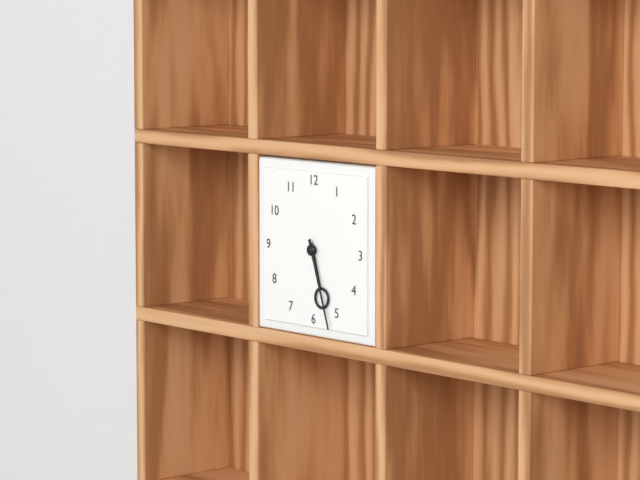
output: 5.27
